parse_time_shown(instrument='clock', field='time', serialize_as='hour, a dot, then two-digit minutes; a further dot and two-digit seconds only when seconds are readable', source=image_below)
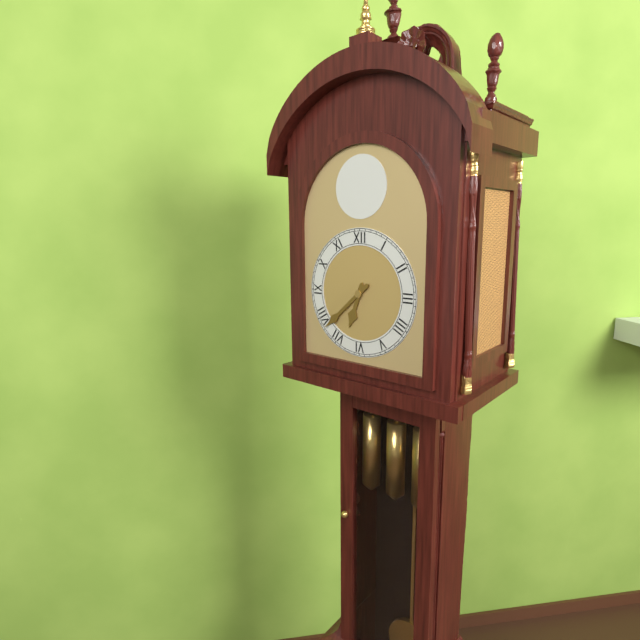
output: 6.38
